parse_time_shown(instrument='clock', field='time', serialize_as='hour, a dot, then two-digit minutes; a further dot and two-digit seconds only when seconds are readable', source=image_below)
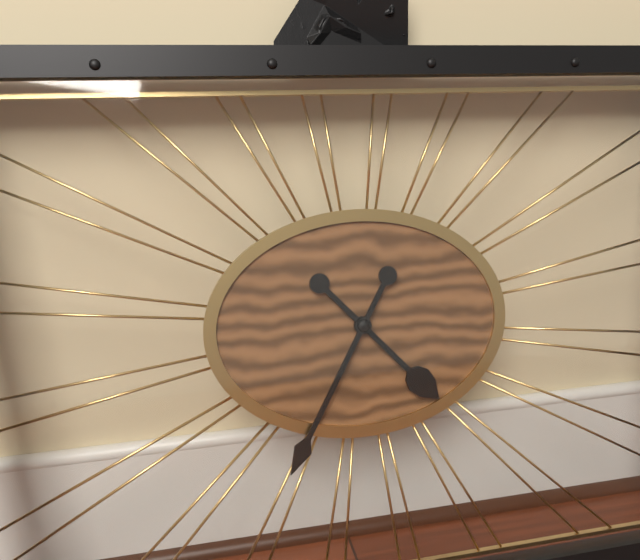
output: 4.35
